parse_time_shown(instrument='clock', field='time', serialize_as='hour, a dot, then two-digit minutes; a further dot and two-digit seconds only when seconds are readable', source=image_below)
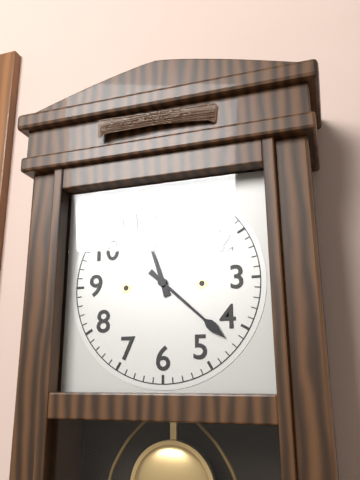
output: 11.22
